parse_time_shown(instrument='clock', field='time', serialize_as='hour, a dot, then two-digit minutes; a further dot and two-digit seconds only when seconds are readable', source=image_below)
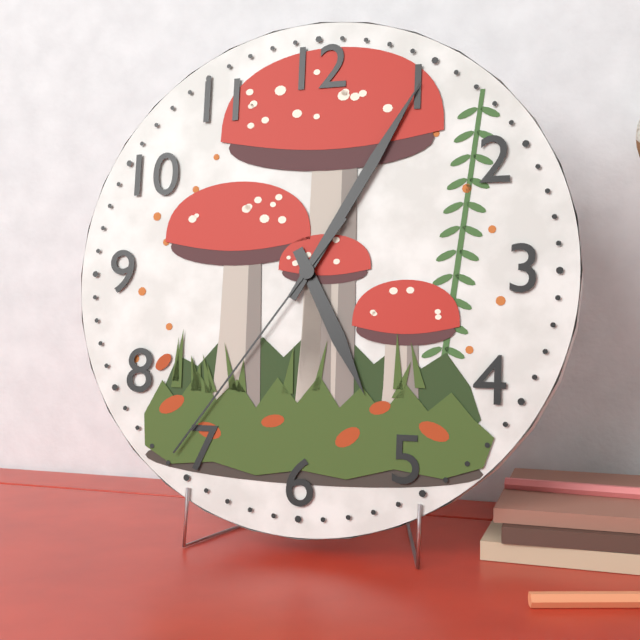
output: 5.05.36
